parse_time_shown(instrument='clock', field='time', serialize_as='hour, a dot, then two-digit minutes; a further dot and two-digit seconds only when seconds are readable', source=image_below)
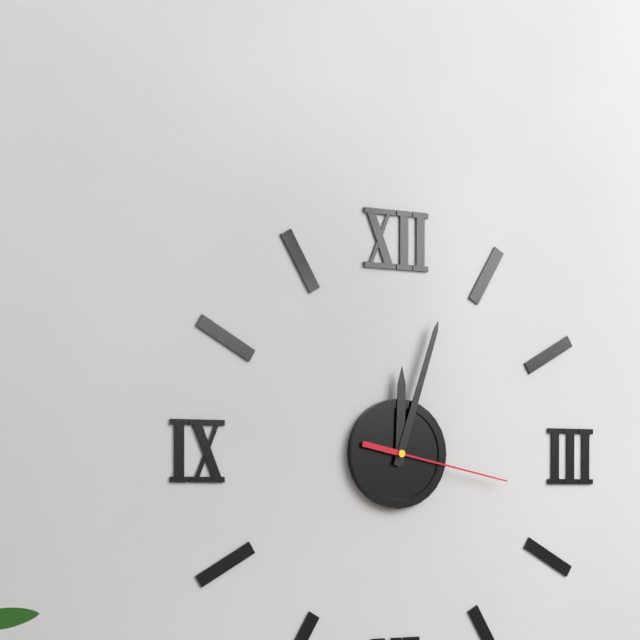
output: 12.03.17
